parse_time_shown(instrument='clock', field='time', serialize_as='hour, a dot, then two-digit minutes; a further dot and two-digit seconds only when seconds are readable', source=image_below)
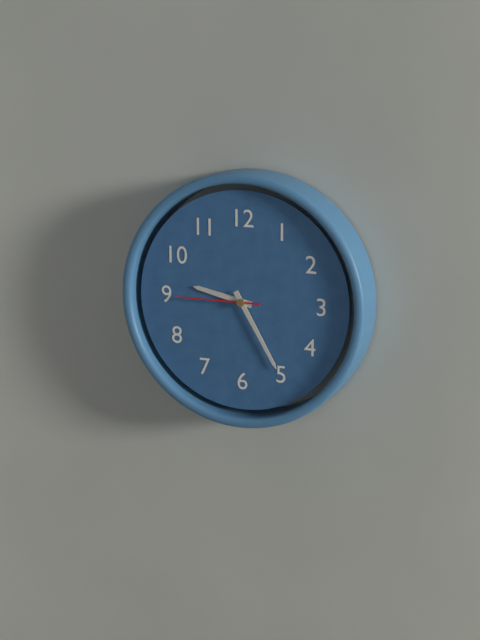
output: 9.25.45
